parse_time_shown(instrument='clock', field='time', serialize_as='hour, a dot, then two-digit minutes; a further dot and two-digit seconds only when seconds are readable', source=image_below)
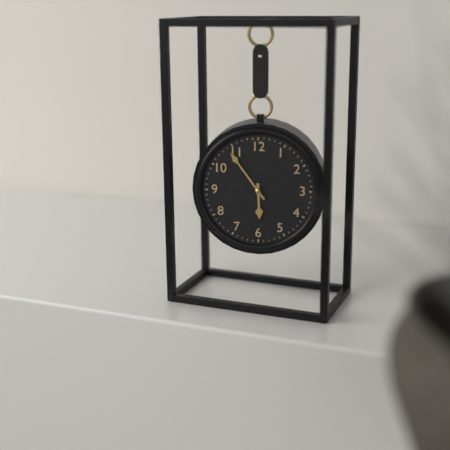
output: 5.54
